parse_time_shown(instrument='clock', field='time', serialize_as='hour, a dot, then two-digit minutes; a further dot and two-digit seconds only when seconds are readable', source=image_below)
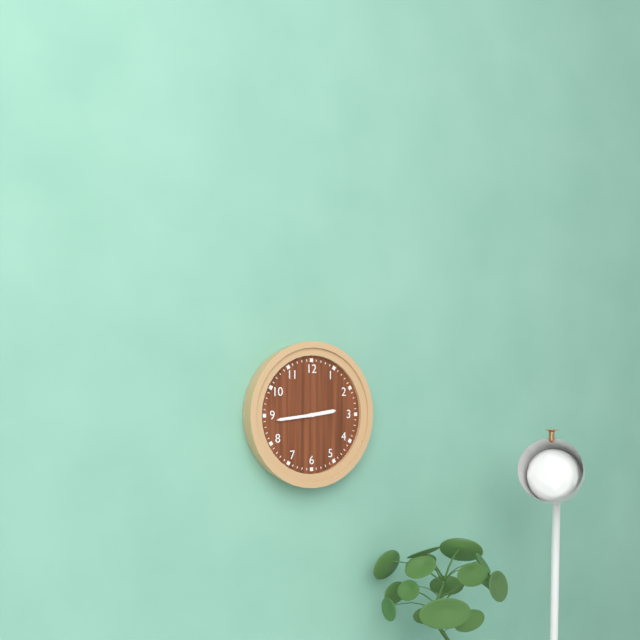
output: 2.44
